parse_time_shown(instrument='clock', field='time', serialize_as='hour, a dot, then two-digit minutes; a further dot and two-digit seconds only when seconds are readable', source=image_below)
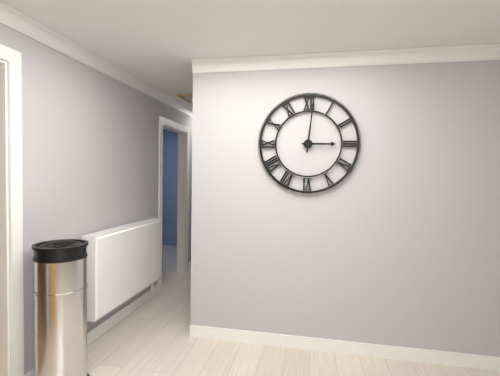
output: 3.01
